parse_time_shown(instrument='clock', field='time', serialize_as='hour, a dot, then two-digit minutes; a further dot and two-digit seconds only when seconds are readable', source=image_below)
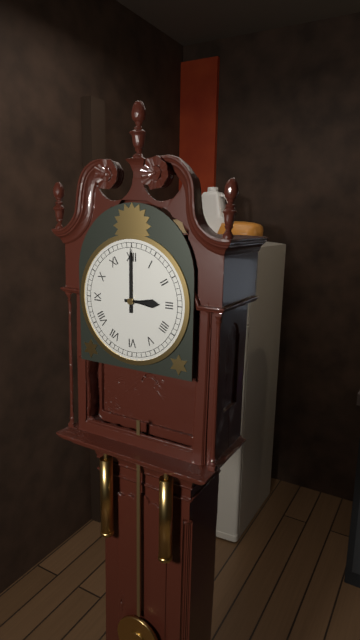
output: 3.00
